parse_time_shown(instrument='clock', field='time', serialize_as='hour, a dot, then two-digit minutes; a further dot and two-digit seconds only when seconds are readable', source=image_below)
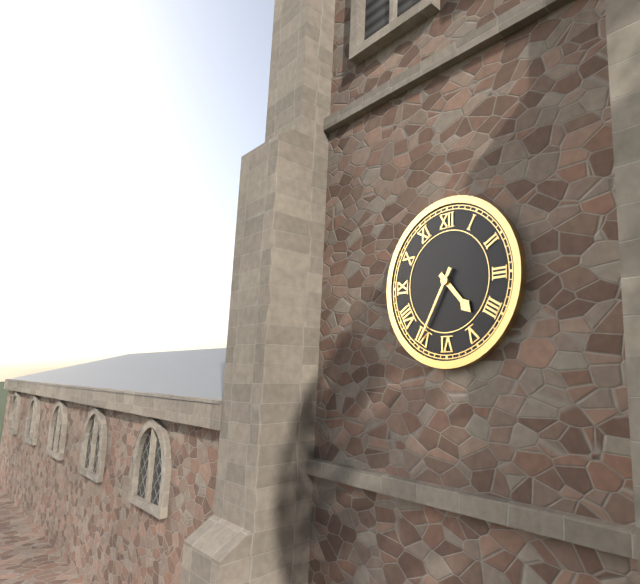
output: 4.35
